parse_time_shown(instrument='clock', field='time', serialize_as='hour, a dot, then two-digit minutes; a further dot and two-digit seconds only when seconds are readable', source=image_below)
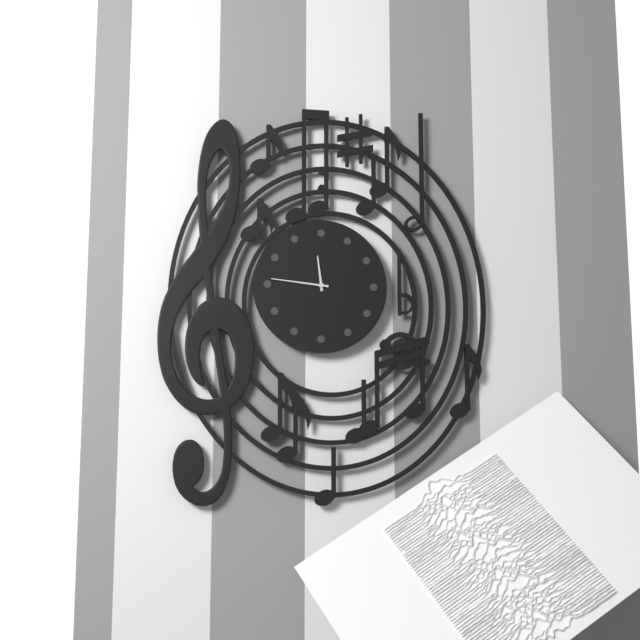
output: 11.46
